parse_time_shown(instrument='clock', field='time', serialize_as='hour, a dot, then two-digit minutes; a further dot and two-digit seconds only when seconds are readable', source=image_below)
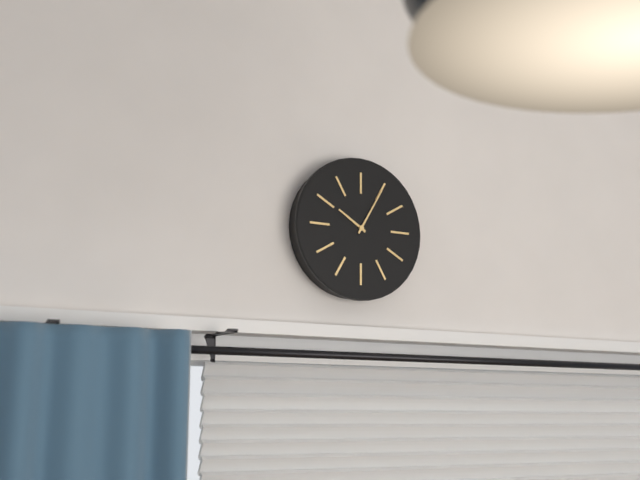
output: 10.05
